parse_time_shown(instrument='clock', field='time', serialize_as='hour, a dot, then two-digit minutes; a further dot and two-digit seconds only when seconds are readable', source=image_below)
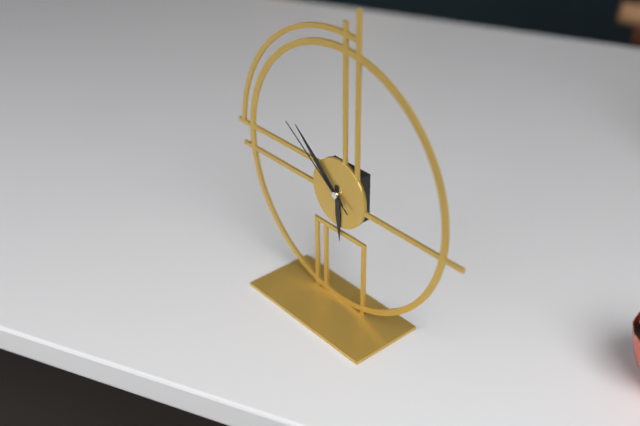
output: 5.52.51
